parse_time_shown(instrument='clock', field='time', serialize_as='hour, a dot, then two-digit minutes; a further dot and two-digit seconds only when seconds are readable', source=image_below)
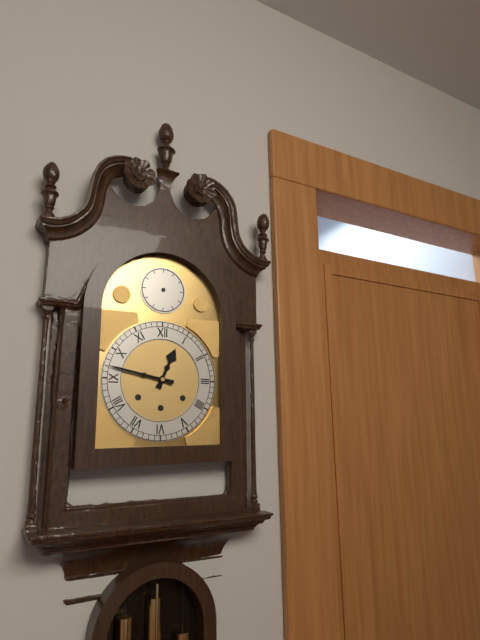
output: 12.47
